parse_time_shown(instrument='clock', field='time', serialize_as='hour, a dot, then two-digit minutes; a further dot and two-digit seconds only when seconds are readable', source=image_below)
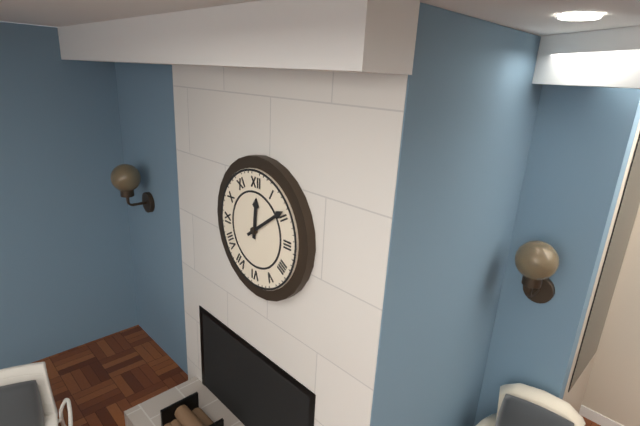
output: 12.09
